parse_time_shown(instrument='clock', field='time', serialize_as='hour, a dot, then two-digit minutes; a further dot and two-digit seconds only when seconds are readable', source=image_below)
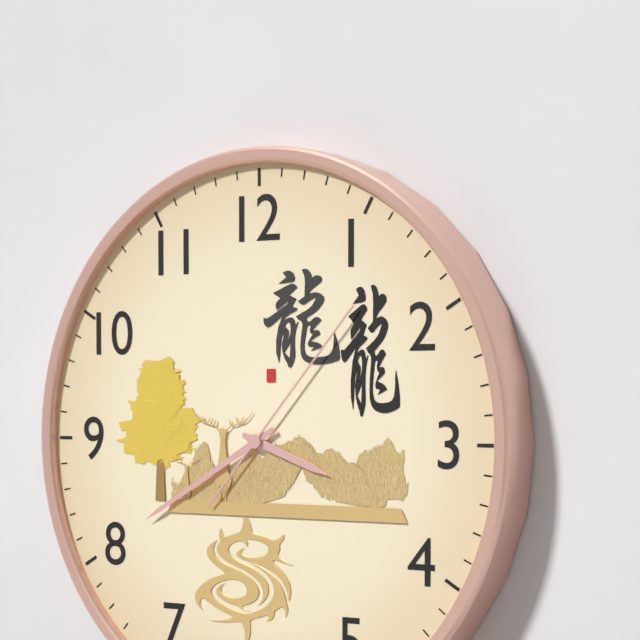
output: 3.40.07
